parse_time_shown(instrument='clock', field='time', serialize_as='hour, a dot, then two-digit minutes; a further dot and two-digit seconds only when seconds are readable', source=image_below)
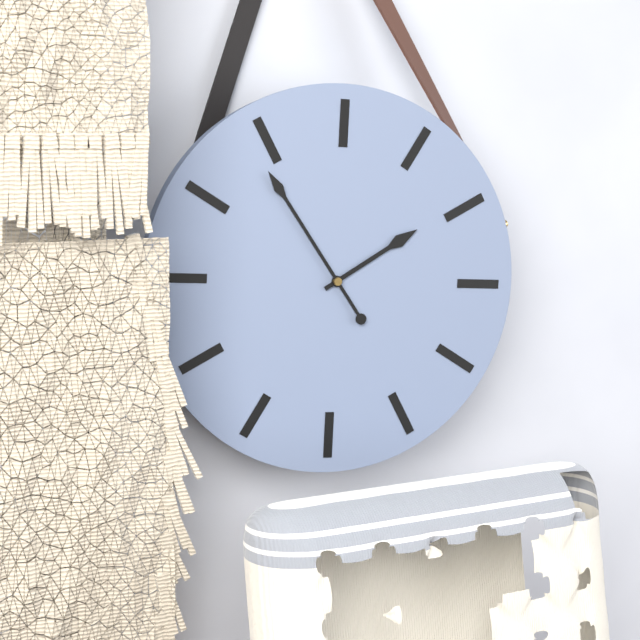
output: 1.54
